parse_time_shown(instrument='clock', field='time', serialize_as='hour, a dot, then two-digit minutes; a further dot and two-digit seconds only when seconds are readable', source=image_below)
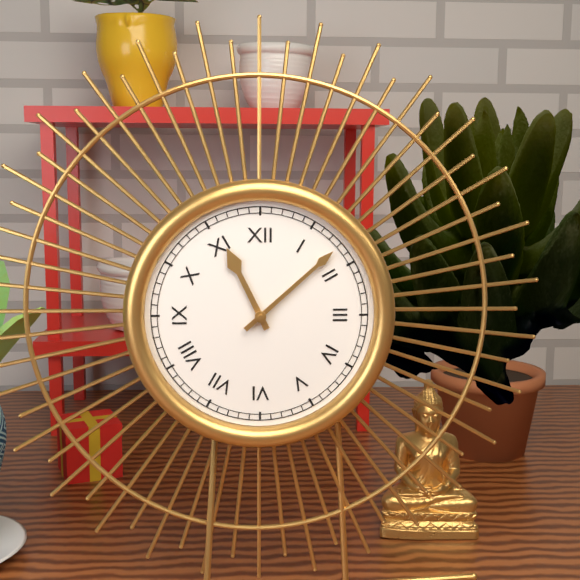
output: 11.08
